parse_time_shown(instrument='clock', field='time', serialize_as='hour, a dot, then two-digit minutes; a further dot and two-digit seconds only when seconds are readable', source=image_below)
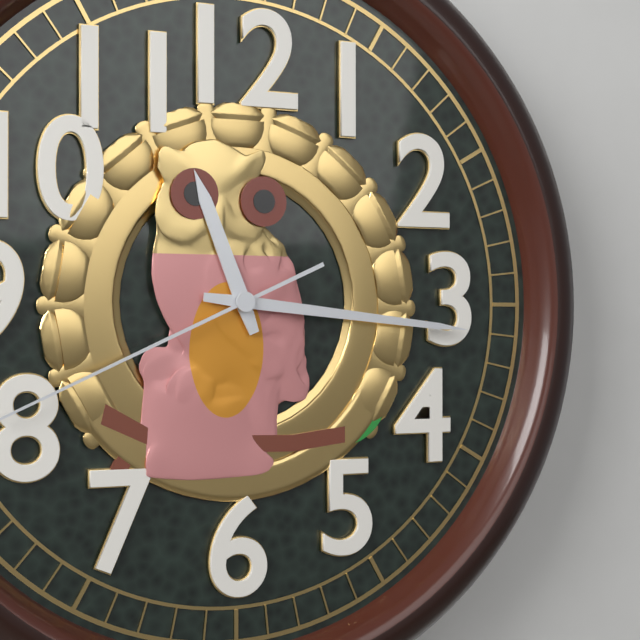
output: 11.16
